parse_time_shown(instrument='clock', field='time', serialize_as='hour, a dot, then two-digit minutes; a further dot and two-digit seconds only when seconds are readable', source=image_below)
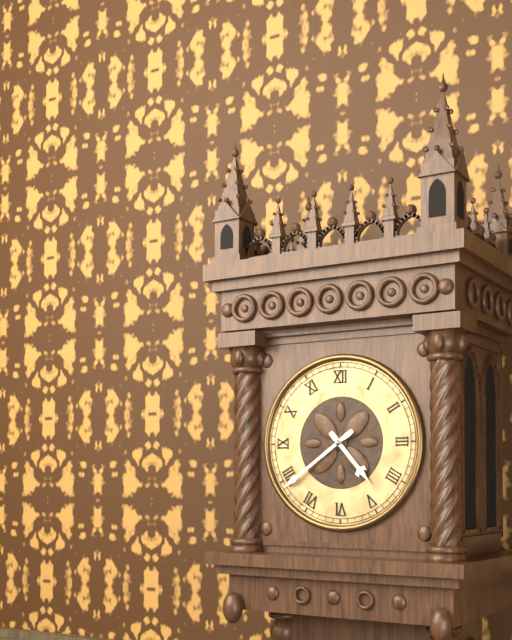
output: 4.39
